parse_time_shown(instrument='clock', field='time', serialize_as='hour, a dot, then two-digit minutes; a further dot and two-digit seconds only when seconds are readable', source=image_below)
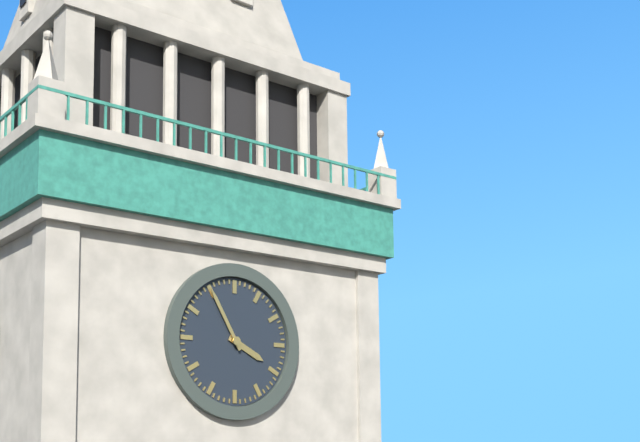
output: 3.55
